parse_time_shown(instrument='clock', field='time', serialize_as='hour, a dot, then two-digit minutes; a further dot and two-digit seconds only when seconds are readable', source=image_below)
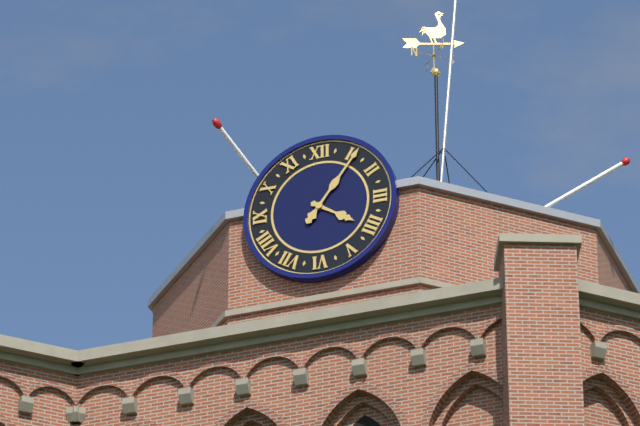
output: 4.06
